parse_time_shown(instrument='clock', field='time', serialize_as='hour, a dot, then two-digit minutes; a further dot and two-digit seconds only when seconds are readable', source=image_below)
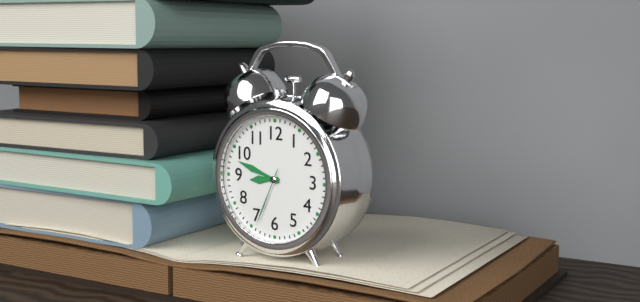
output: 8.48.34
